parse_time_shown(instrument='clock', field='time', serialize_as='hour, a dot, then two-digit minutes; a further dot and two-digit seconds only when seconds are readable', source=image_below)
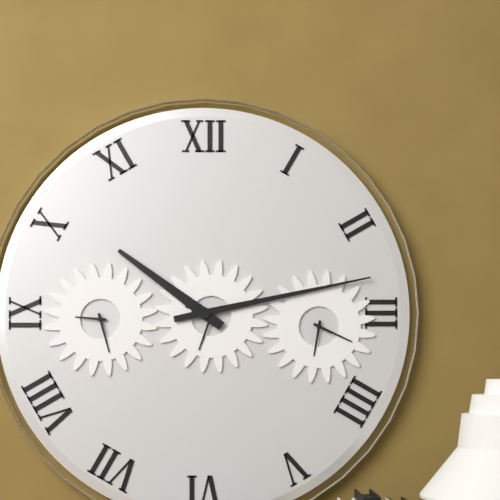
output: 10.13
